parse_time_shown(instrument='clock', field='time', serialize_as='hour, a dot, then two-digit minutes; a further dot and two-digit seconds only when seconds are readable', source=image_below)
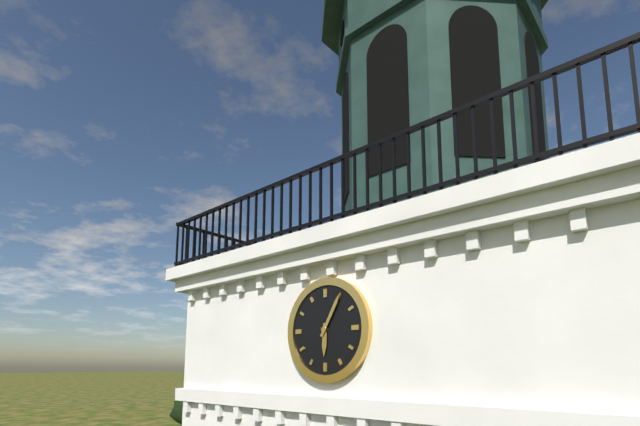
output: 6.05
